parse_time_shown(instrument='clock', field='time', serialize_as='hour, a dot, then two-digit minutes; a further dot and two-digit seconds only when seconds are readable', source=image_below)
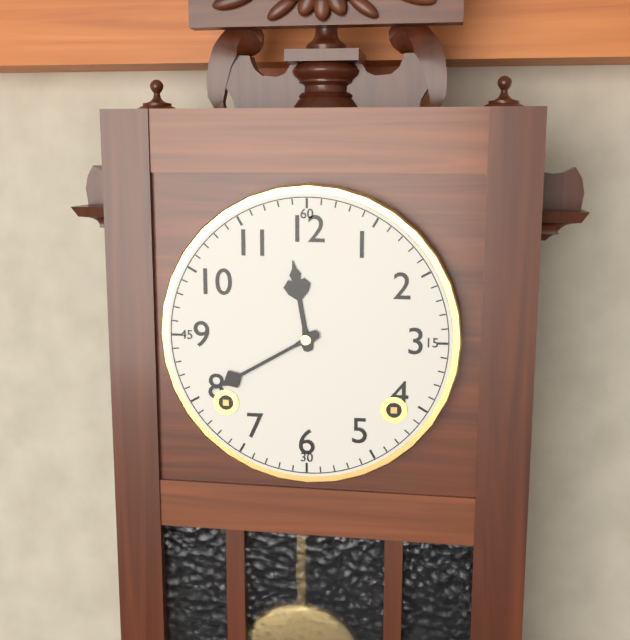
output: 11.40
